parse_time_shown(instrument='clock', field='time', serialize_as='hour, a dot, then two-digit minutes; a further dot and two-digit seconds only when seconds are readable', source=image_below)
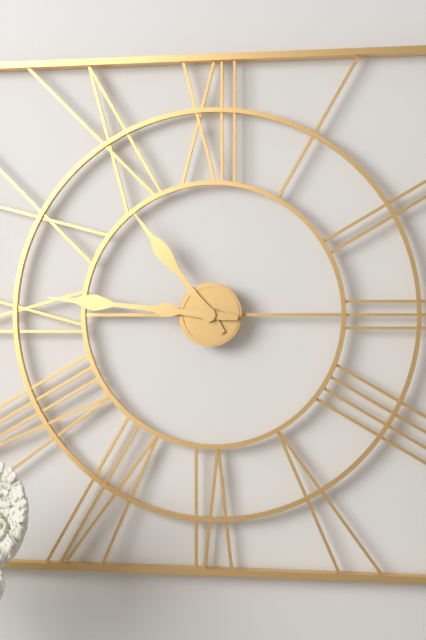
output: 10.46
